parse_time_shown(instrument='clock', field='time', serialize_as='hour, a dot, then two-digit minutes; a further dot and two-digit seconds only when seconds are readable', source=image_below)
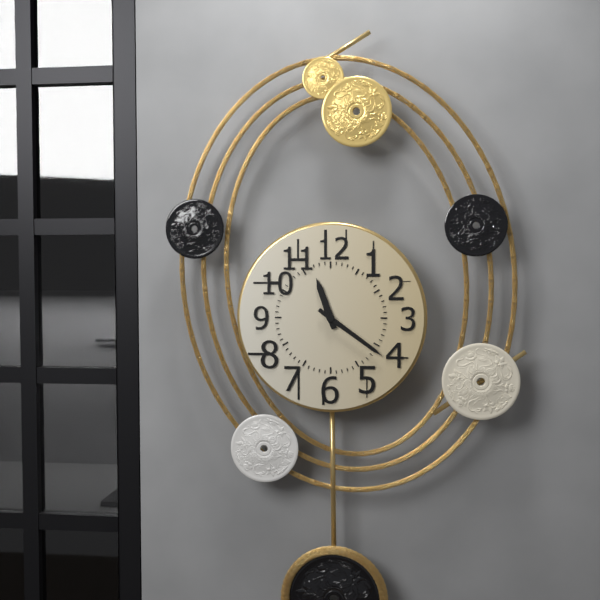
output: 11.21
